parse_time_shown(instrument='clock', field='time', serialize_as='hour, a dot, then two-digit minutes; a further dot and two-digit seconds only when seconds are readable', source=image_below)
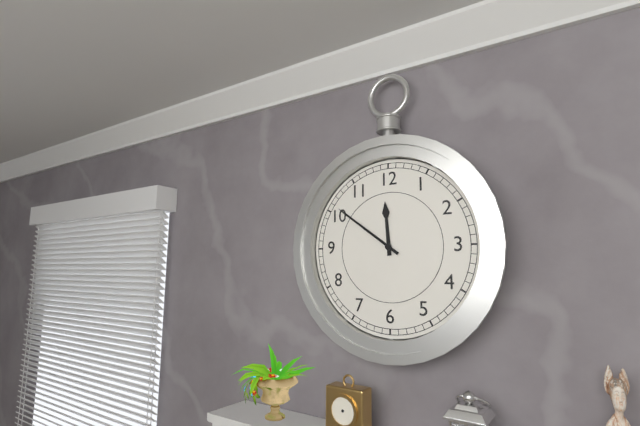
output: 11.51
